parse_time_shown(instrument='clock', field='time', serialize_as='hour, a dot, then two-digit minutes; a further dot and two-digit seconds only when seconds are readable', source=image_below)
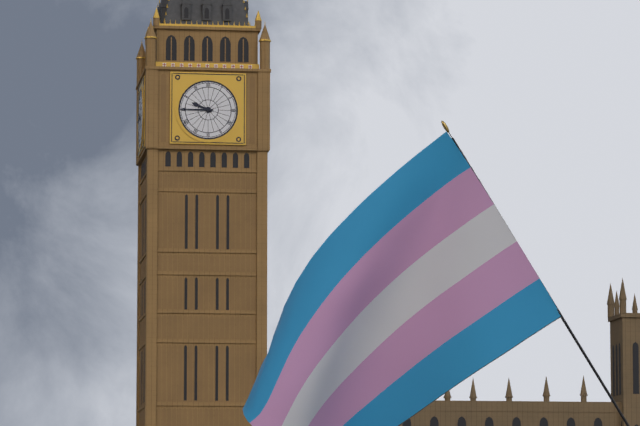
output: 9.45
